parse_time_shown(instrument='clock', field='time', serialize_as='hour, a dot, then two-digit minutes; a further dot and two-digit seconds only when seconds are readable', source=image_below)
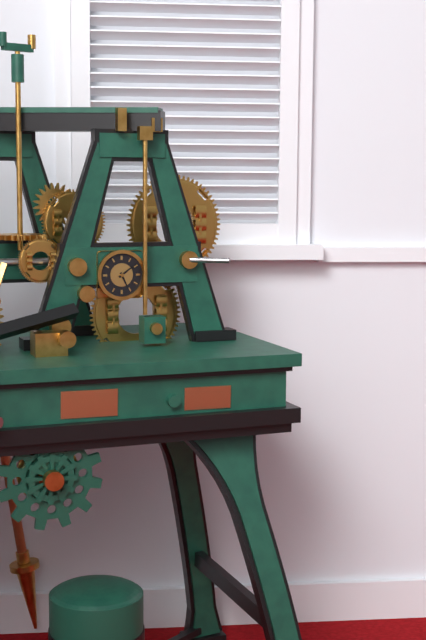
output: 5.09
